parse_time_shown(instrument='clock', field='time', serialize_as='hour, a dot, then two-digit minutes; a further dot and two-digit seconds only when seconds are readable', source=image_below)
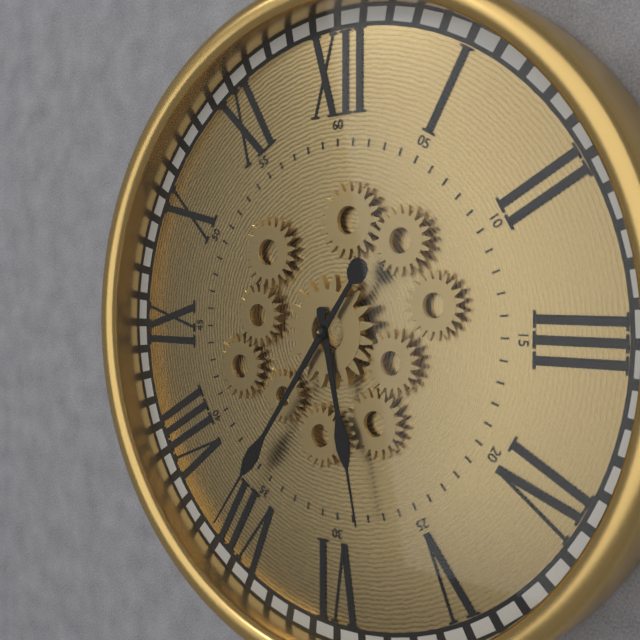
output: 5.36
